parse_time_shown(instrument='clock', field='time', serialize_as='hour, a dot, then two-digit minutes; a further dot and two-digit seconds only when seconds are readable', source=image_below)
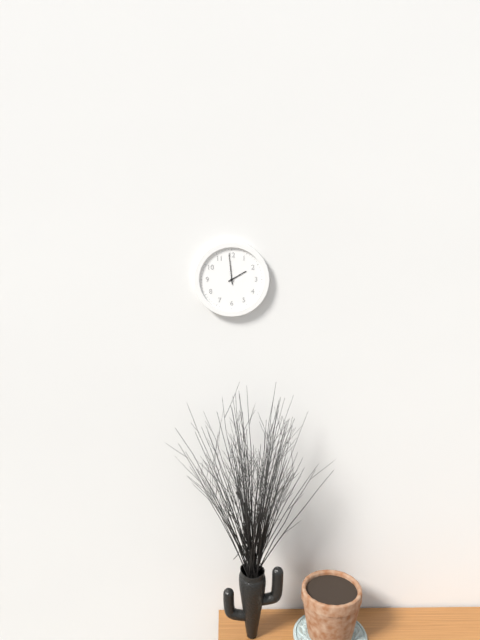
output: 1.59
